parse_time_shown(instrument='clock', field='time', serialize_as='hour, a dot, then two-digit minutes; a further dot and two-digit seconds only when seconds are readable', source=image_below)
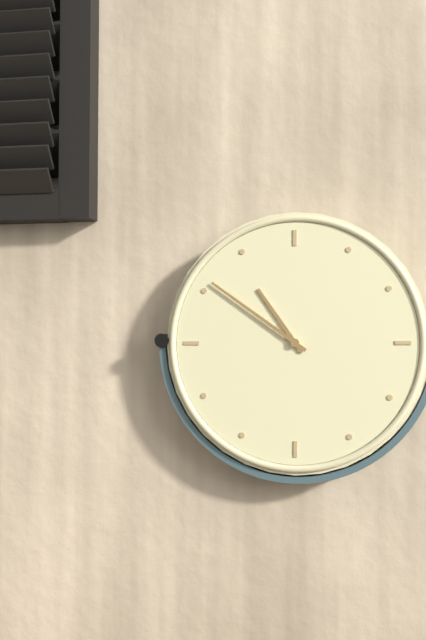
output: 10.51
